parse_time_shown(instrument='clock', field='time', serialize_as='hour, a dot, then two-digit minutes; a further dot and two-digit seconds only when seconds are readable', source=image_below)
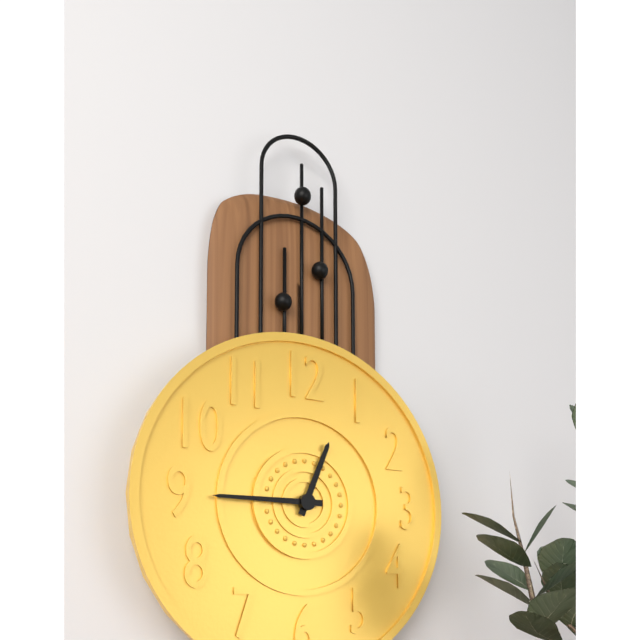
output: 12.45
